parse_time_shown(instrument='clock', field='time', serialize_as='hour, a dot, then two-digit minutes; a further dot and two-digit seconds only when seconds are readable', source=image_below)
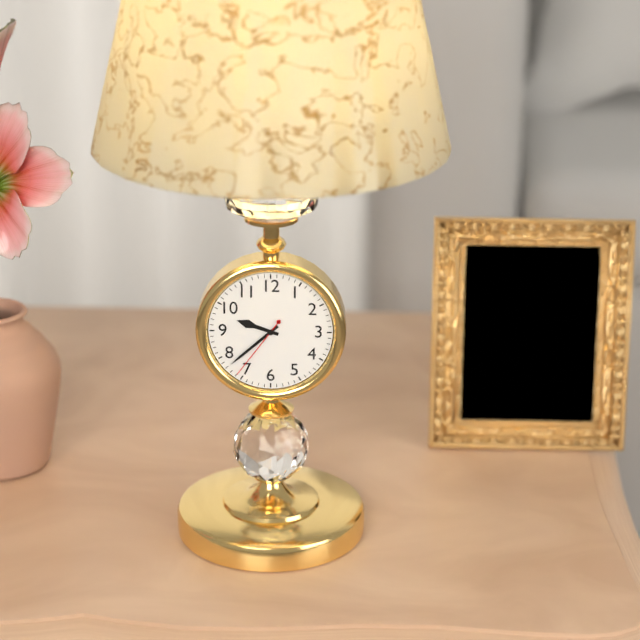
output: 9.38.36
